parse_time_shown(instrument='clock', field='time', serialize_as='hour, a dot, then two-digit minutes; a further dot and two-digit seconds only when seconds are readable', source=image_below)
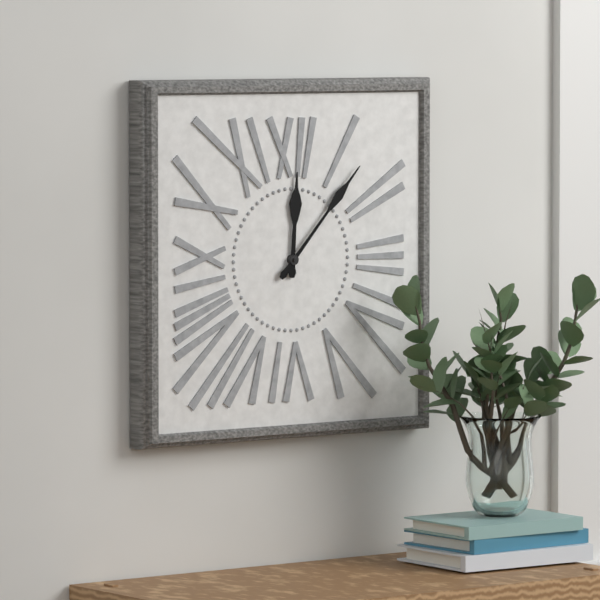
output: 12.07
